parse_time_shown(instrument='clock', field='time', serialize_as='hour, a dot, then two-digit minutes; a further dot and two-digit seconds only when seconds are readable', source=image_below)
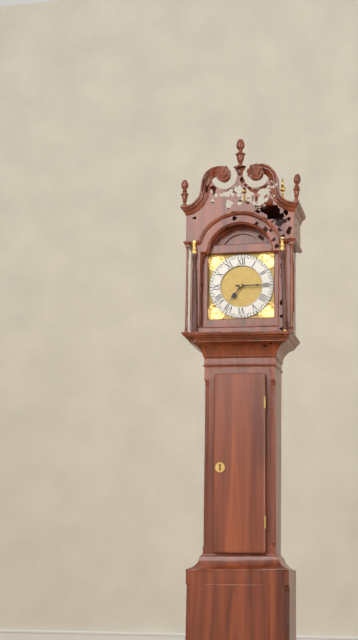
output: 7.15
